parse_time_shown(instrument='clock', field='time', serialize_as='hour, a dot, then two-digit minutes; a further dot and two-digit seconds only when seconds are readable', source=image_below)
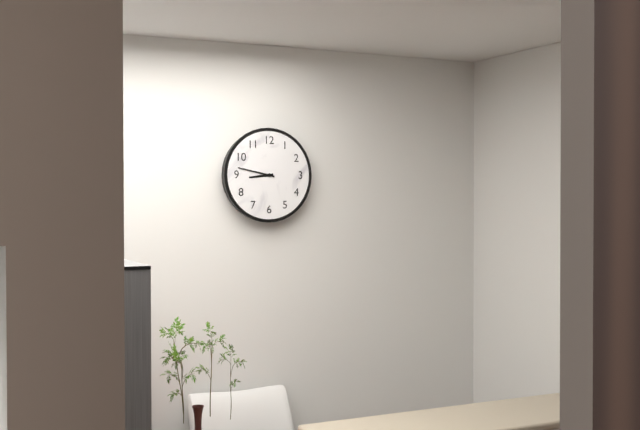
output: 8.47
